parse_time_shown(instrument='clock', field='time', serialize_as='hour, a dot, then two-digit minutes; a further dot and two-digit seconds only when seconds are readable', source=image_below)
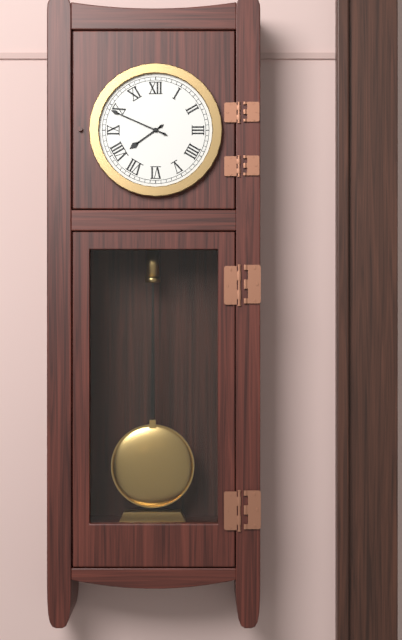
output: 7.49
